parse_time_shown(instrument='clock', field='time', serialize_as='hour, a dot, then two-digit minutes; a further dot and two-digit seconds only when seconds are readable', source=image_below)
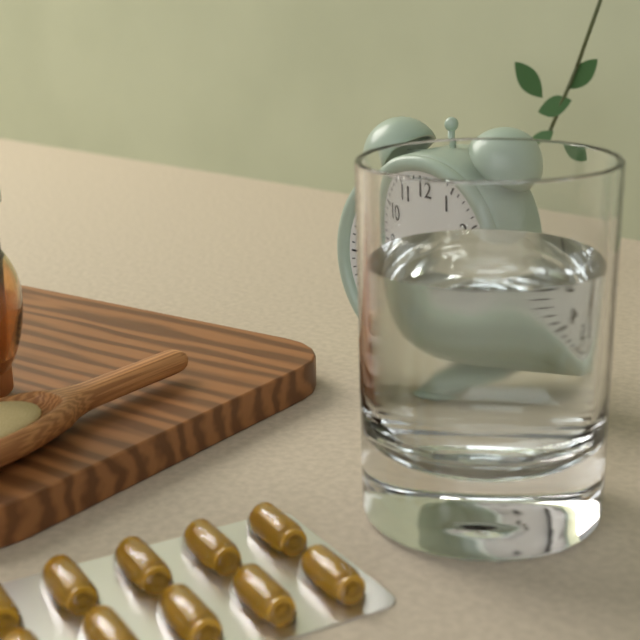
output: 5.29.25
